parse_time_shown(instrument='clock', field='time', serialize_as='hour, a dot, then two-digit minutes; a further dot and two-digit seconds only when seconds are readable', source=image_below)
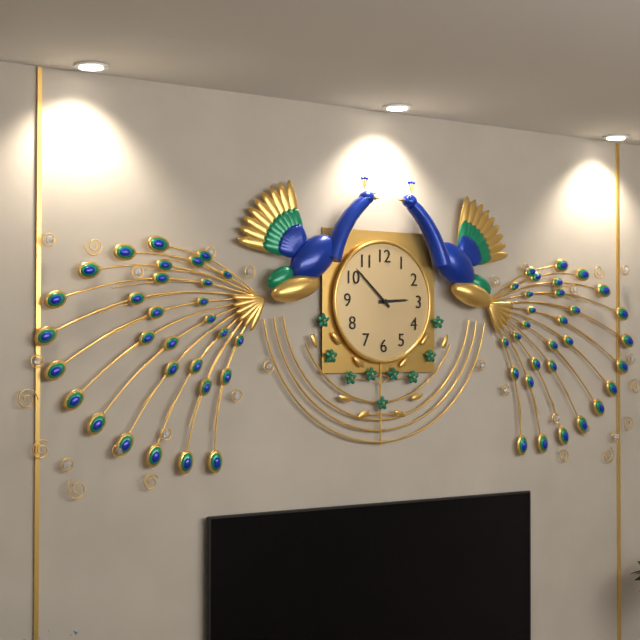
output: 2.52
